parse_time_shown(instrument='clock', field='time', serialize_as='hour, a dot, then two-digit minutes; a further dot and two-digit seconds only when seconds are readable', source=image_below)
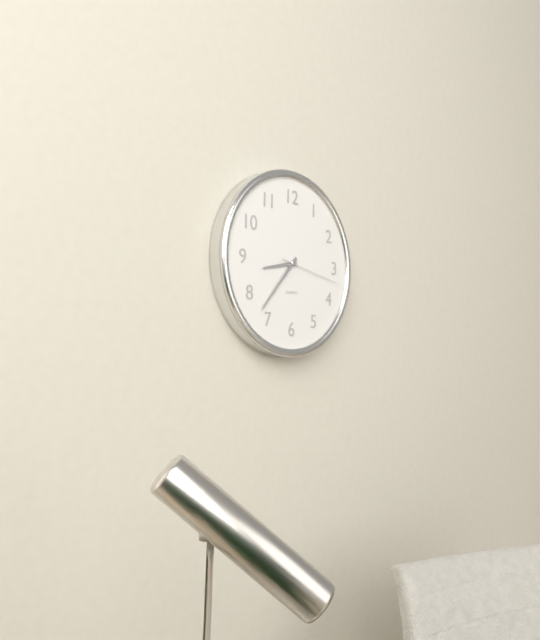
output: 8.37.17
